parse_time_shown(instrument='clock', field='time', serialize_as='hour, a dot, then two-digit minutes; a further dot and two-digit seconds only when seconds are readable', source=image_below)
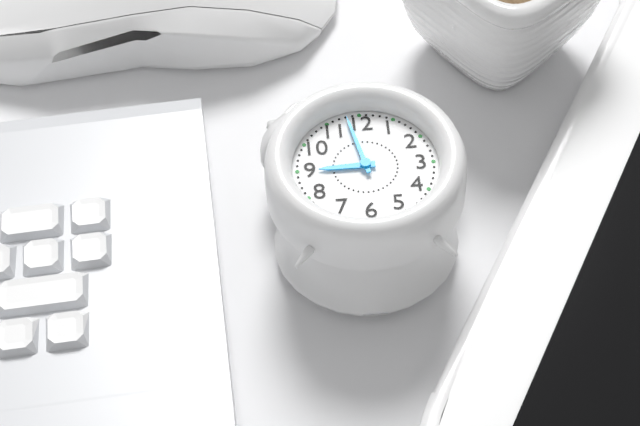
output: 8.58
